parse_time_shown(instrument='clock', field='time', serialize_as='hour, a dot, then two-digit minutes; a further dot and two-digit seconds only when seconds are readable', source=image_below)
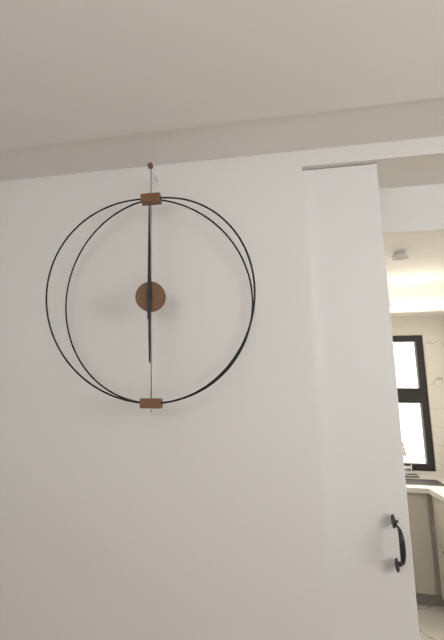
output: 6.00
